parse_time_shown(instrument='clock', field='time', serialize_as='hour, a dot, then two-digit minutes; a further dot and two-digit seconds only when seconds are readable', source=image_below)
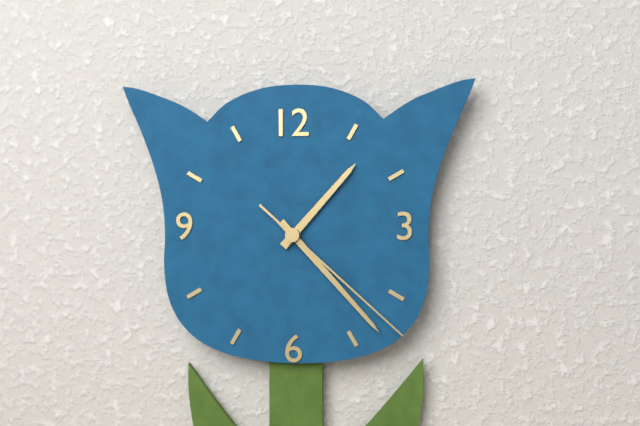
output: 1.23.22
